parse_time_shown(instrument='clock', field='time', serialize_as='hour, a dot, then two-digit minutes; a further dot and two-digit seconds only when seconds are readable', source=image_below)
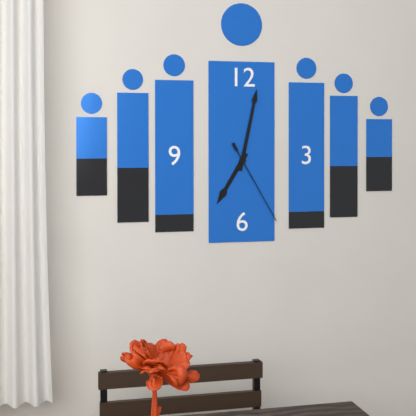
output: 7.02.25
